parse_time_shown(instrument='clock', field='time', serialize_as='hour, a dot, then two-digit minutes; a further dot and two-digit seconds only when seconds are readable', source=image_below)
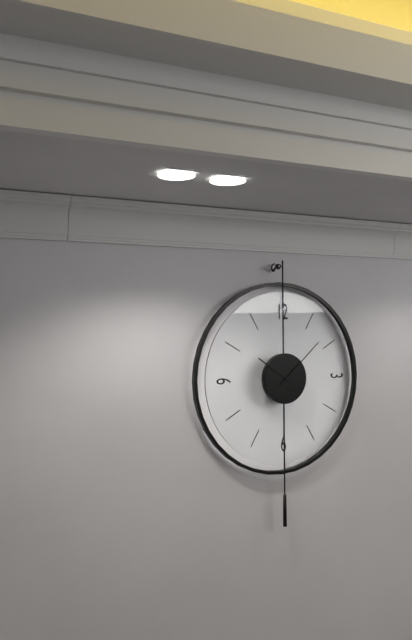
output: 10.08
